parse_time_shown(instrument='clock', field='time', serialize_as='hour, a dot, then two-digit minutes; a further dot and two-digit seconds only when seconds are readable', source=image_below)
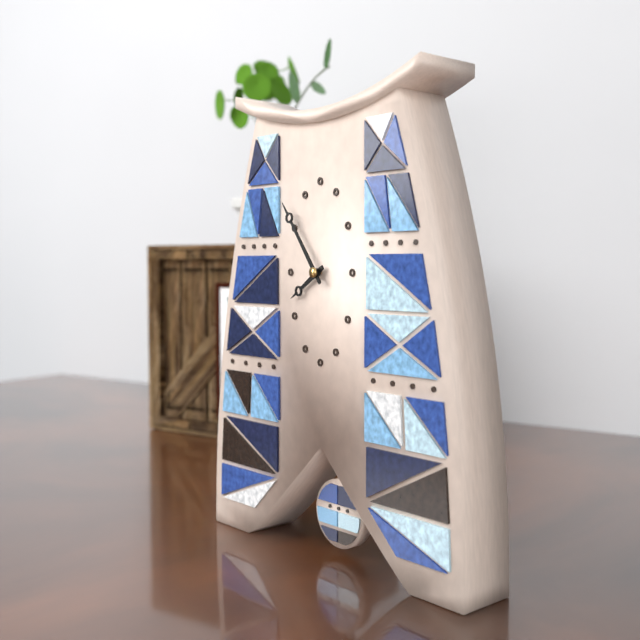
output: 7.54
